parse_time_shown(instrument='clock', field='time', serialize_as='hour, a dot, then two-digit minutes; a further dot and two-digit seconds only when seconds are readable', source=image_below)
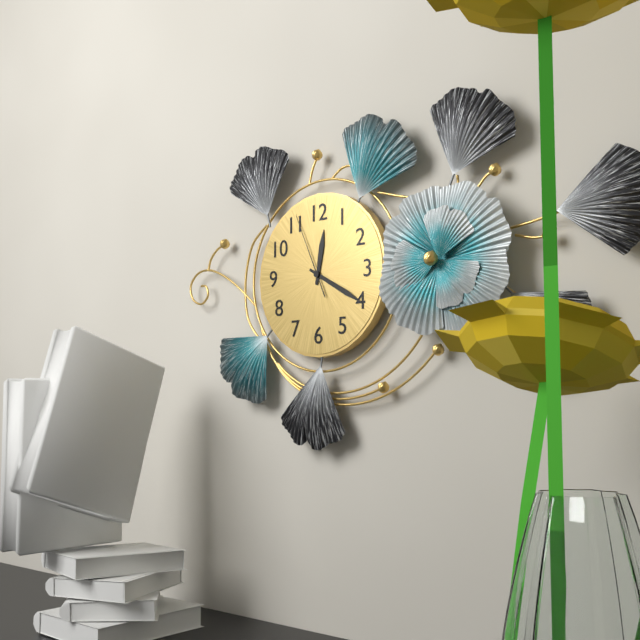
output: 12.20.56
